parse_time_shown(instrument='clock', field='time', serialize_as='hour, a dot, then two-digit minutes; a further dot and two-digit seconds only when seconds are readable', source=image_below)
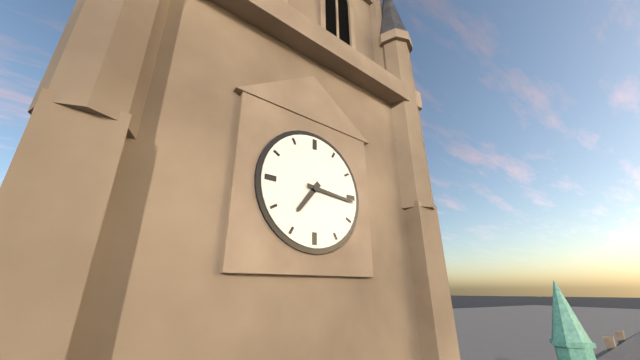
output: 7.16
